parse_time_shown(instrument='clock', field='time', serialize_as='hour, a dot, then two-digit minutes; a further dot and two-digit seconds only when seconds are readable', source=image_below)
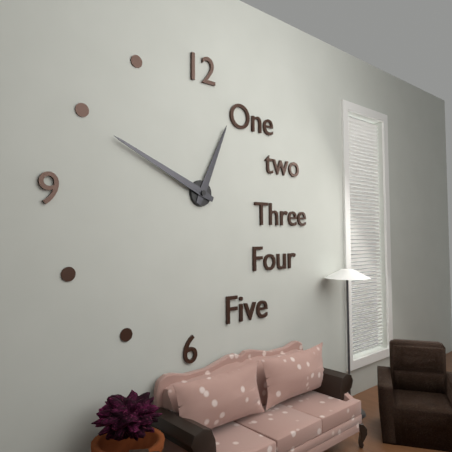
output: 12.49
